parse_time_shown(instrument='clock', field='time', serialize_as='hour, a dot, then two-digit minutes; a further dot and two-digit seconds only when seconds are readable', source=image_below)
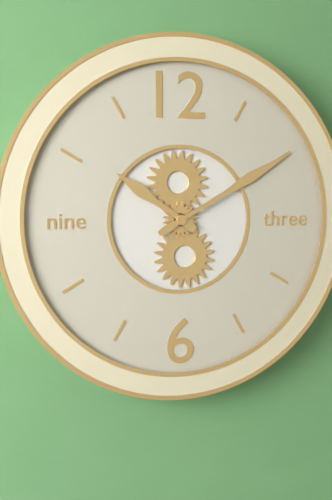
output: 10.10
